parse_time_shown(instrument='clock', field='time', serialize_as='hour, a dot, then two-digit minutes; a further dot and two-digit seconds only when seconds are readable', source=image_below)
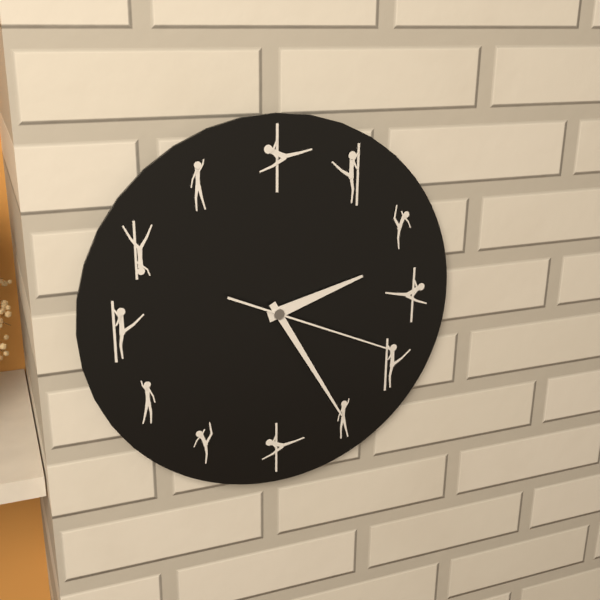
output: 2.25.19
